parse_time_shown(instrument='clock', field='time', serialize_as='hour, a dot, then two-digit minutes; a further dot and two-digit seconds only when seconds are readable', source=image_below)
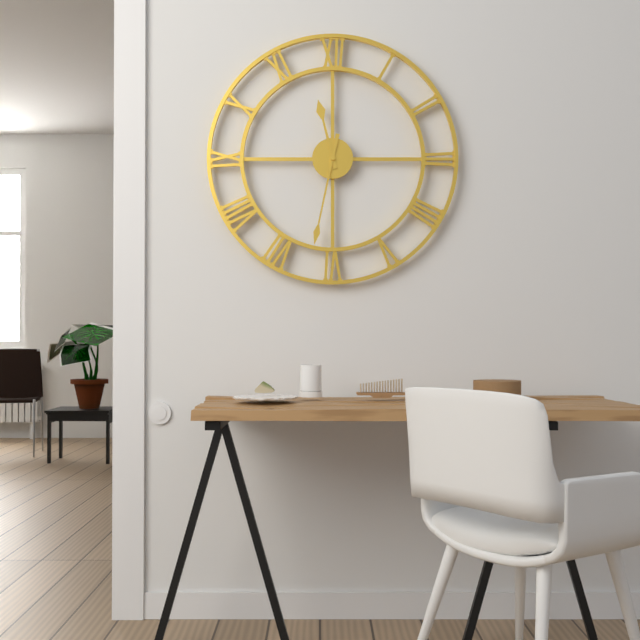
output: 11.32
